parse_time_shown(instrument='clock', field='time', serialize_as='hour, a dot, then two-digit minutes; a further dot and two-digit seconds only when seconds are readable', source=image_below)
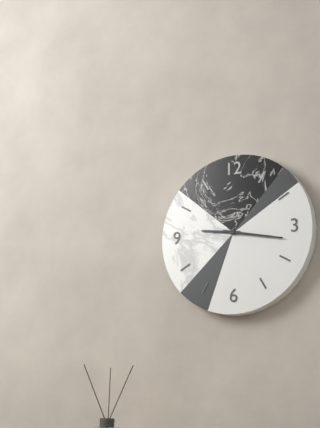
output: 9.17
